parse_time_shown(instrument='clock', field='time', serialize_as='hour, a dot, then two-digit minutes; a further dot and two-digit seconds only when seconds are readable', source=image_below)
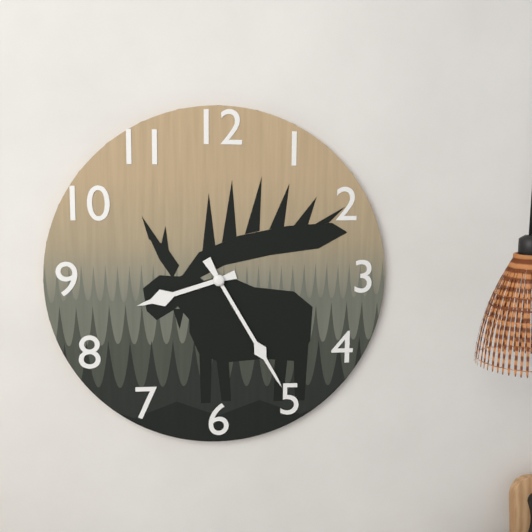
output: 8.25
